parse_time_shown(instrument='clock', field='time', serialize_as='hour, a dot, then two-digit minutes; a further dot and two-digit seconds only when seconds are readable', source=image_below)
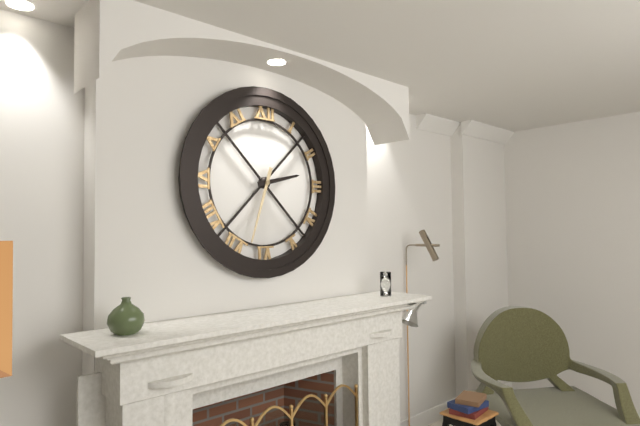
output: 2.33
